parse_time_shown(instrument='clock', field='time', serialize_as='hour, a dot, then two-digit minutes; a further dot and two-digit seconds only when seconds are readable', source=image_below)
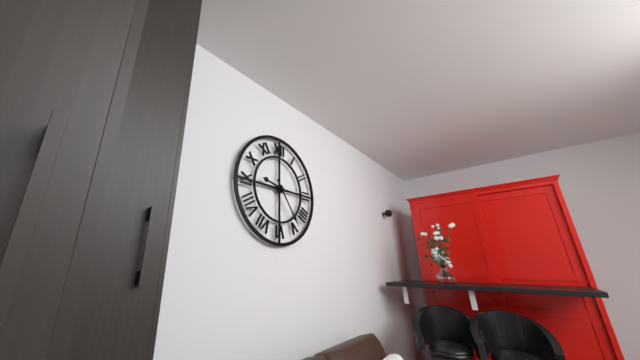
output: 9.24
